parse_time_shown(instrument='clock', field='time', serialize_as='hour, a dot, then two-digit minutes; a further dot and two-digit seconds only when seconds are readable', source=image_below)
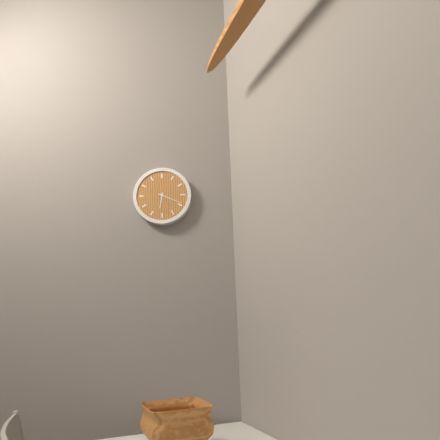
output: 6.19
